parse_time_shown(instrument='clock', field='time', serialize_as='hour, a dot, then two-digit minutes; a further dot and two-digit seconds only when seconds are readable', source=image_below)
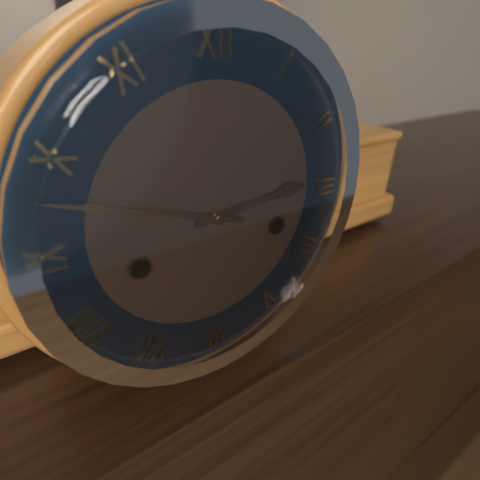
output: 2.48
